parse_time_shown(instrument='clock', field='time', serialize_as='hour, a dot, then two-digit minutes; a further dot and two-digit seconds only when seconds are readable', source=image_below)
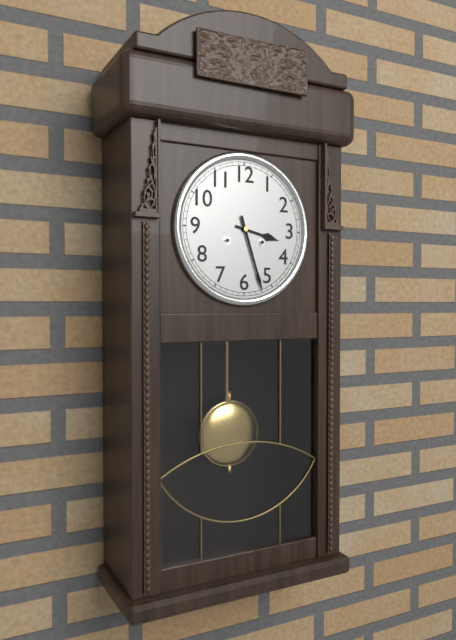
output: 3.27
